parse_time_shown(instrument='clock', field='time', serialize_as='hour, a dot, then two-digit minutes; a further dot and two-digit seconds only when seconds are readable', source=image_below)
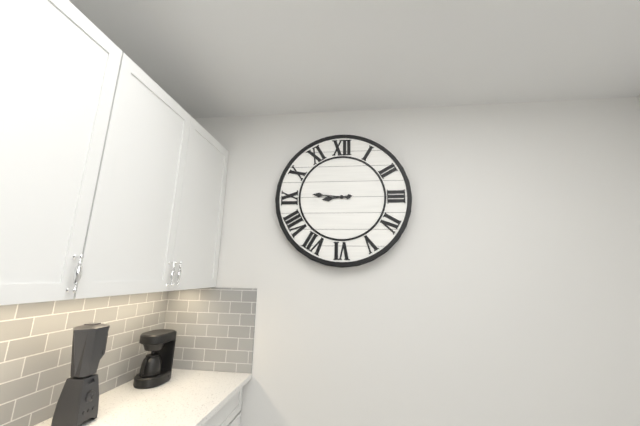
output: 8.46
